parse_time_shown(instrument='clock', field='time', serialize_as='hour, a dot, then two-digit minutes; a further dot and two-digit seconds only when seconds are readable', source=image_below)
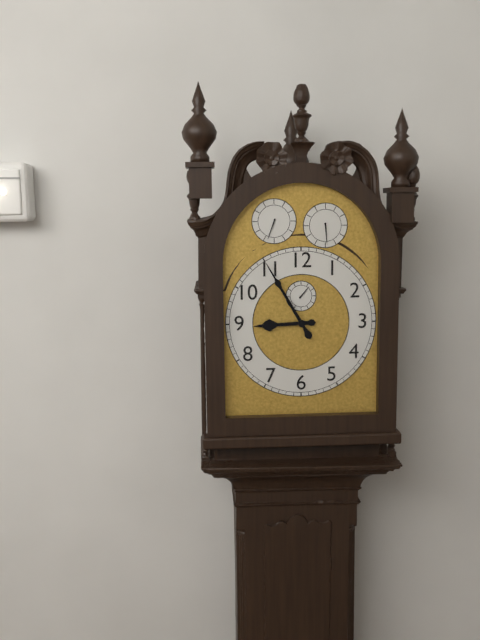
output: 8.55
